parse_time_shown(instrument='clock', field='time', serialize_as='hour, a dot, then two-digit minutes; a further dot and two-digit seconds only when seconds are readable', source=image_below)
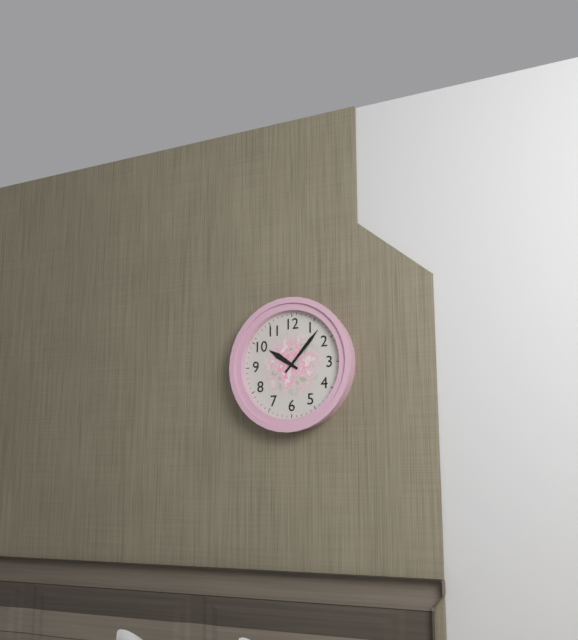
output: 10.07
